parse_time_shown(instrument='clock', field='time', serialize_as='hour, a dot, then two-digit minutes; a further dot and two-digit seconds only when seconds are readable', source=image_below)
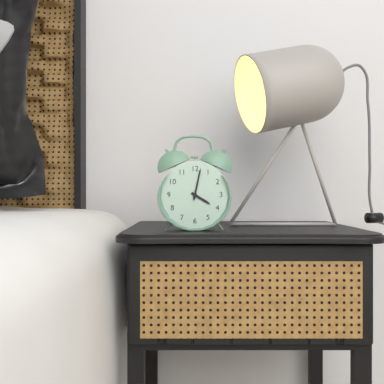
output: 4.02
